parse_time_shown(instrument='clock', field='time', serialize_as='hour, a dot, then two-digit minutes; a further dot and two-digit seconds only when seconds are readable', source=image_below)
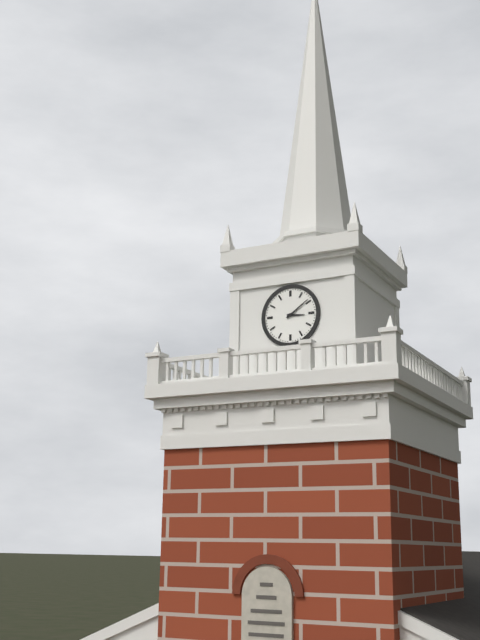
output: 3.09
